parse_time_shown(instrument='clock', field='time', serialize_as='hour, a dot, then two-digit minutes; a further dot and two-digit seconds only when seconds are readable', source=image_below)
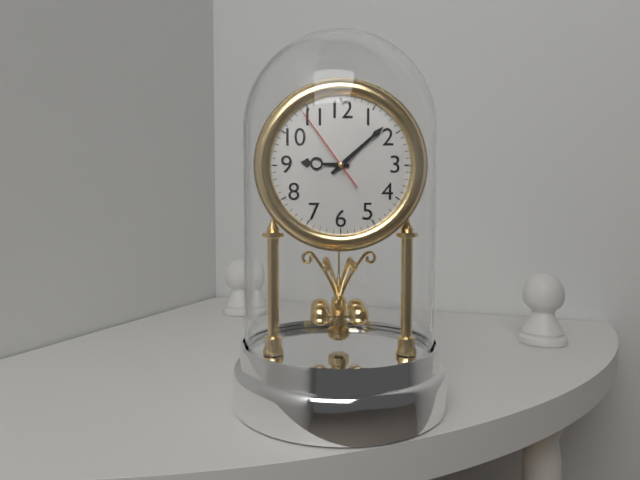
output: 9.08.54
